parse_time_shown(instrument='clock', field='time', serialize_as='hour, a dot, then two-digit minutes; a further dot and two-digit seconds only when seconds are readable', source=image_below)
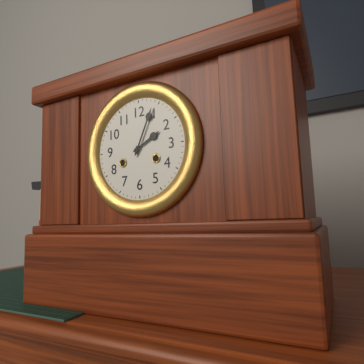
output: 2.04
